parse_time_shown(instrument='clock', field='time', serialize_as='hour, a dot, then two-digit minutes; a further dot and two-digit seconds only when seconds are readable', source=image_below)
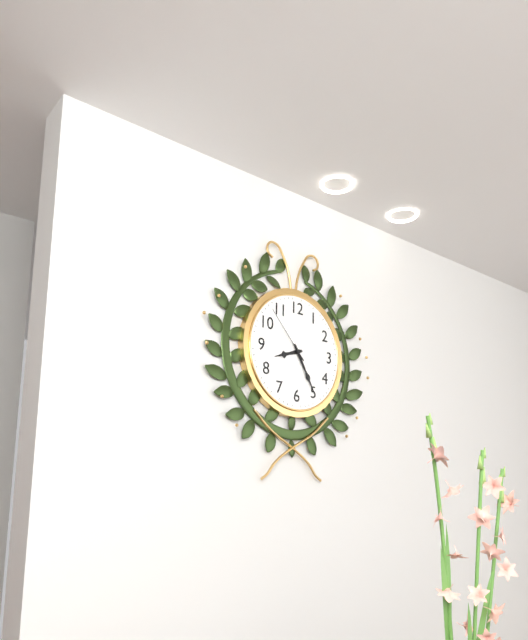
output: 8.25.53
